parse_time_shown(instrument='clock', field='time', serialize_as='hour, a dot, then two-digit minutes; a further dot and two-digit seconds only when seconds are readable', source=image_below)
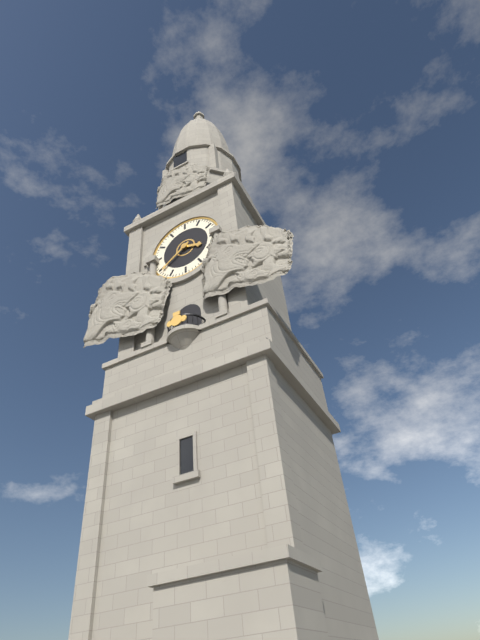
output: 3.39
